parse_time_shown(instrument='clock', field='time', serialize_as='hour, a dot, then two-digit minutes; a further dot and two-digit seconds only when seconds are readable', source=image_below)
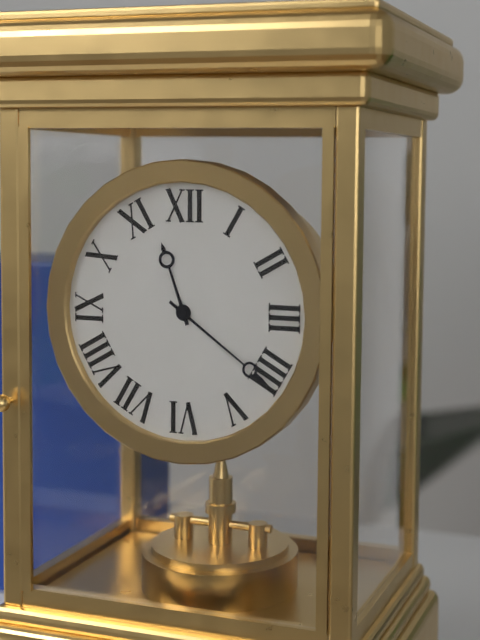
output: 11.21
